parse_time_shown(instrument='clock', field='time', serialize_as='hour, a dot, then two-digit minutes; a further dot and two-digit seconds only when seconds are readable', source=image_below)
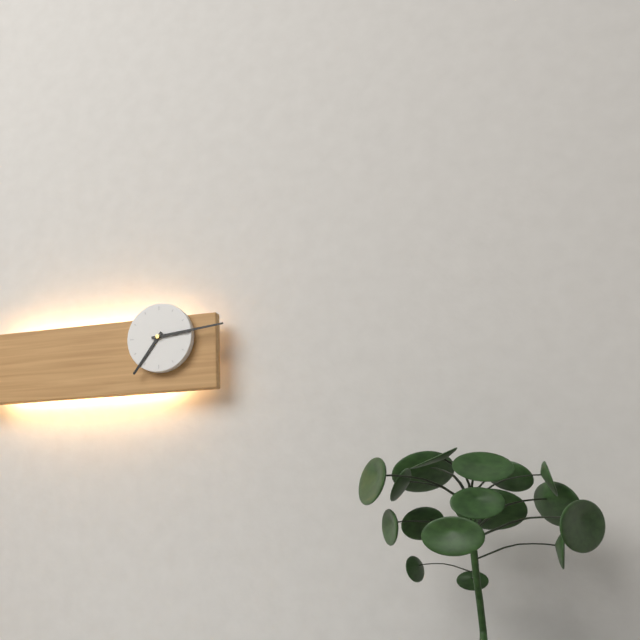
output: 7.14
